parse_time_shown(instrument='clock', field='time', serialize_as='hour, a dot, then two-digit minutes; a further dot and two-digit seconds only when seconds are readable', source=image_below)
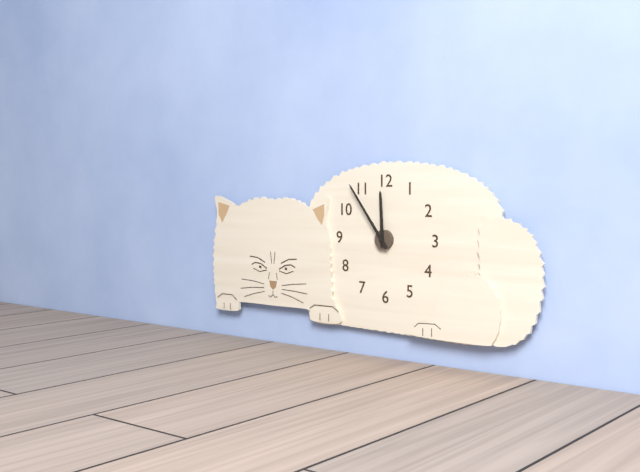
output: 11.54
